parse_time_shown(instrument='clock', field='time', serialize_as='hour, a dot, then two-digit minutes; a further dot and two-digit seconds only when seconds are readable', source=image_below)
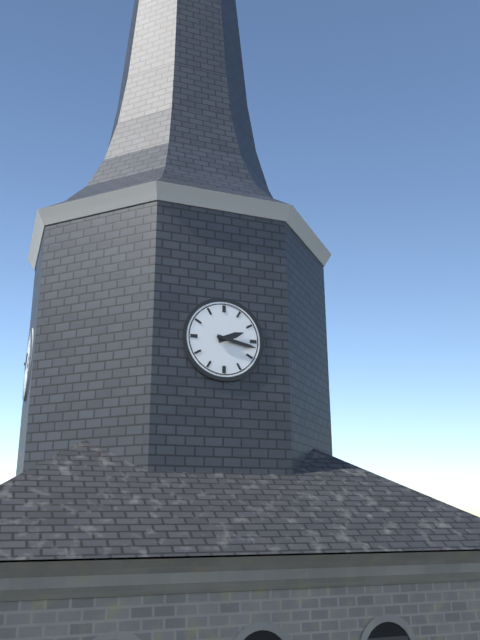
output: 2.17
